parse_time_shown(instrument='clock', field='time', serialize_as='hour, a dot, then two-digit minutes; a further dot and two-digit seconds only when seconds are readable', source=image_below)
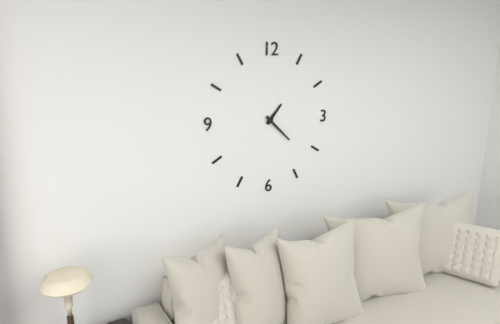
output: 1.22
